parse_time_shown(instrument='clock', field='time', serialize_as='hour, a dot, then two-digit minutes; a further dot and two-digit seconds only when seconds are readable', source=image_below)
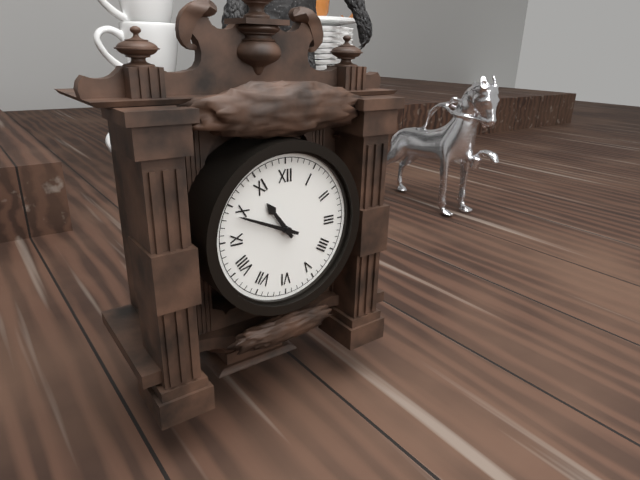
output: 10.49
